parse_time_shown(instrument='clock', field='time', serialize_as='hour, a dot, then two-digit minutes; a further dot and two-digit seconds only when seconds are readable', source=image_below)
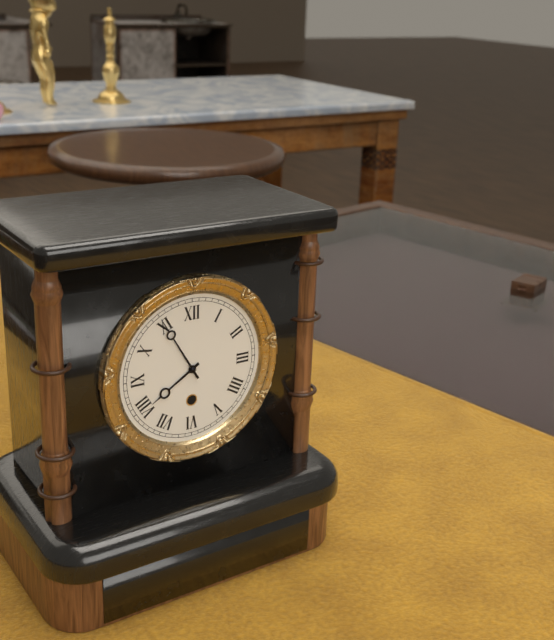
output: 7.55
